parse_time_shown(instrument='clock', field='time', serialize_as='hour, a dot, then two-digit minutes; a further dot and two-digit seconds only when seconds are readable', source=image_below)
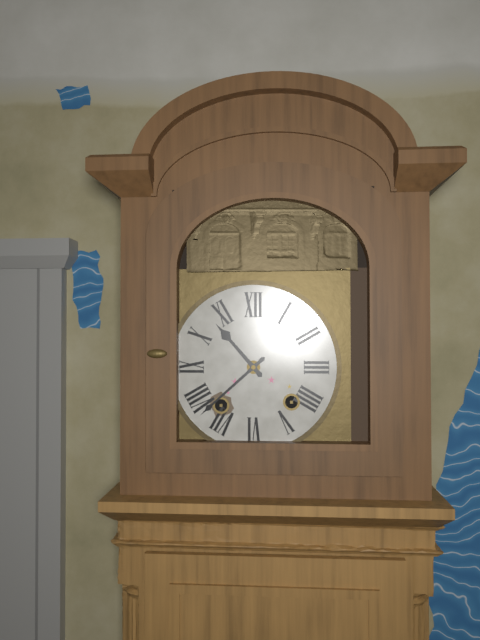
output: 10.38
